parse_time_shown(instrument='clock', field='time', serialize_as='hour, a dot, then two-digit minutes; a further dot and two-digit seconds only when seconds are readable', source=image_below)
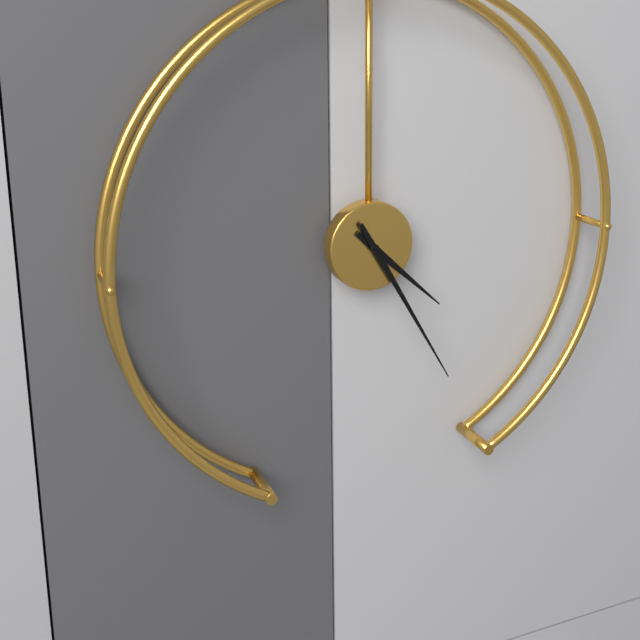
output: 4.25
